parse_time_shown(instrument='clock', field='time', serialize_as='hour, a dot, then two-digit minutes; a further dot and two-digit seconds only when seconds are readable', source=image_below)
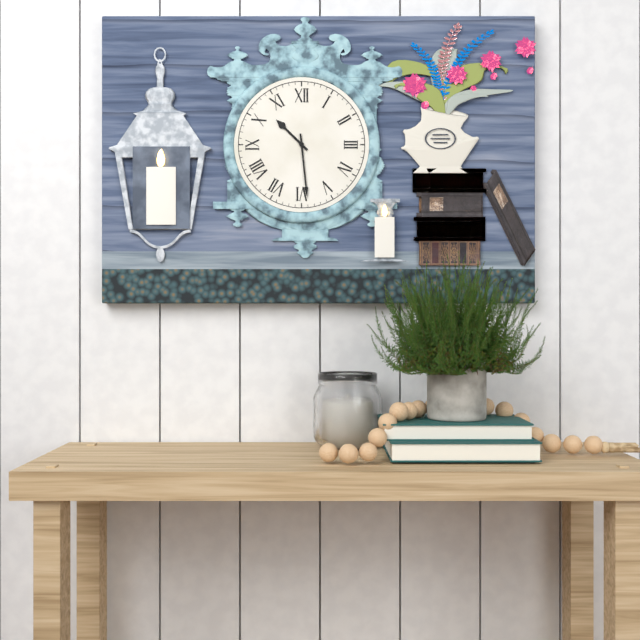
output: 10.29
